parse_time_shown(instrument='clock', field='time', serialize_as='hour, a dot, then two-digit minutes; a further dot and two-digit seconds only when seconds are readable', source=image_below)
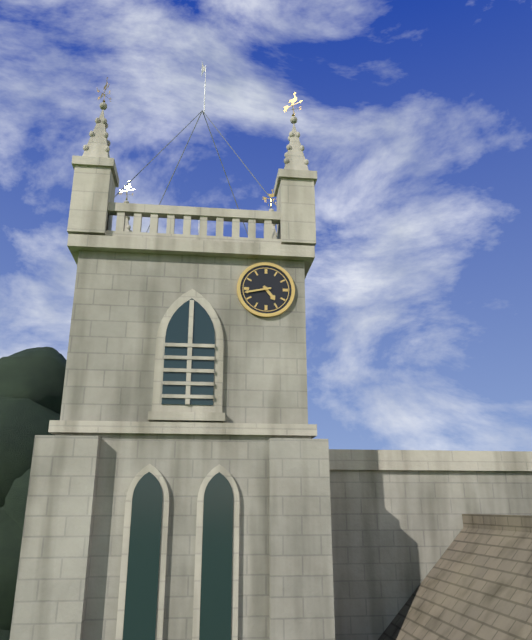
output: 4.43
